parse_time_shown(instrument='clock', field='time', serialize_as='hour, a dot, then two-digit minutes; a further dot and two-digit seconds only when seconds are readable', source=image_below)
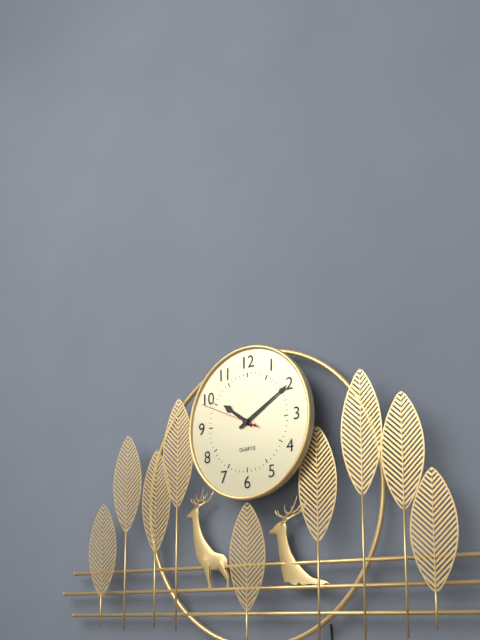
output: 10.10.49
